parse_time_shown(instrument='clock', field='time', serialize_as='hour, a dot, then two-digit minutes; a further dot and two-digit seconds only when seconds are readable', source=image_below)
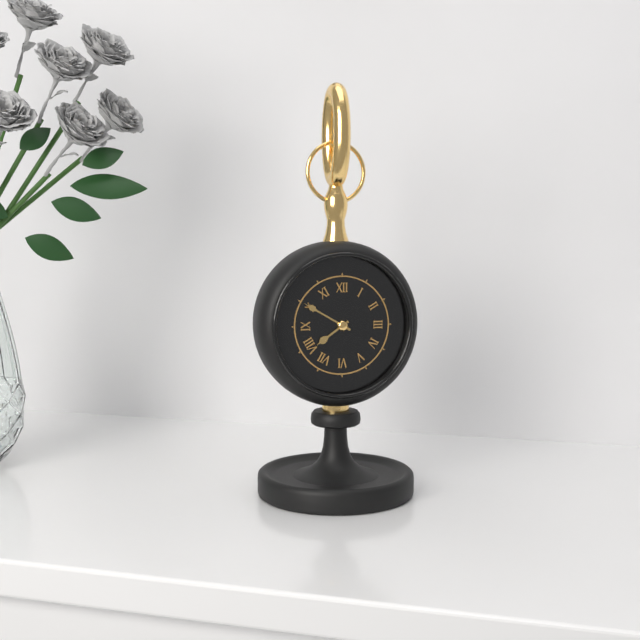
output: 7.50
